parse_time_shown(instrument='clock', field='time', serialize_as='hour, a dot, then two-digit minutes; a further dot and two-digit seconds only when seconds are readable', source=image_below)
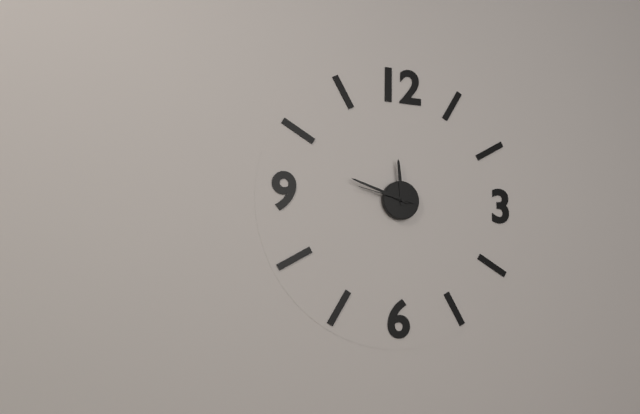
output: 11.48.47
